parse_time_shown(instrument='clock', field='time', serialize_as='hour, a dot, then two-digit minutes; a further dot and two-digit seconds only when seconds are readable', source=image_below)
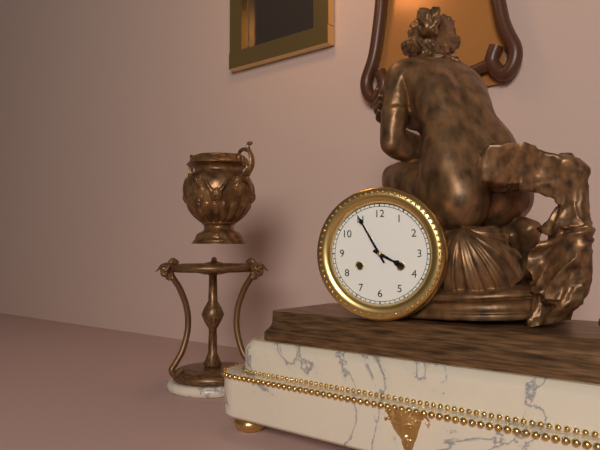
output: 3.55
